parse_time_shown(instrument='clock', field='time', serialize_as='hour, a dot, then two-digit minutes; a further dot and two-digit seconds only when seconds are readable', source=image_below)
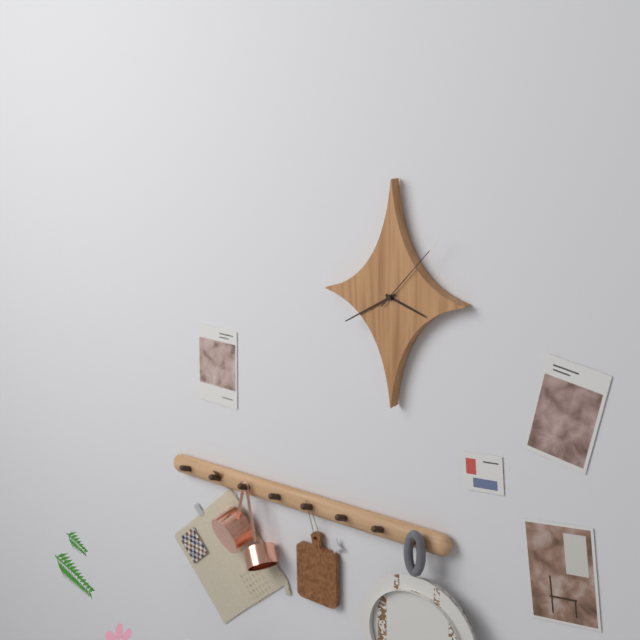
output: 3.40.07
